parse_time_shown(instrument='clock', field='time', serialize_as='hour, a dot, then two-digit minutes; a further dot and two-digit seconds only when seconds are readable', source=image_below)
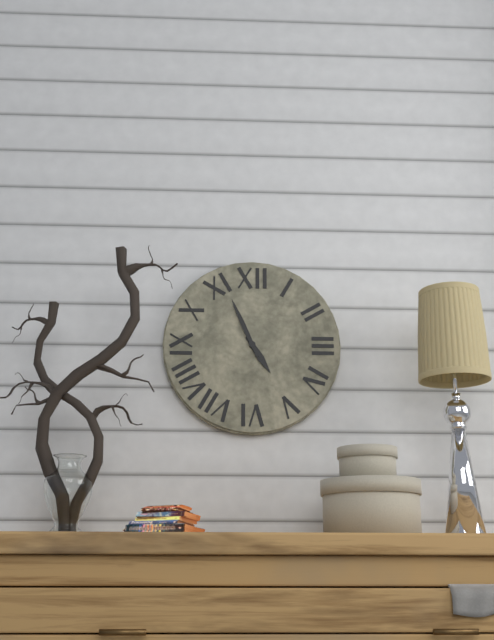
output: 4.56
